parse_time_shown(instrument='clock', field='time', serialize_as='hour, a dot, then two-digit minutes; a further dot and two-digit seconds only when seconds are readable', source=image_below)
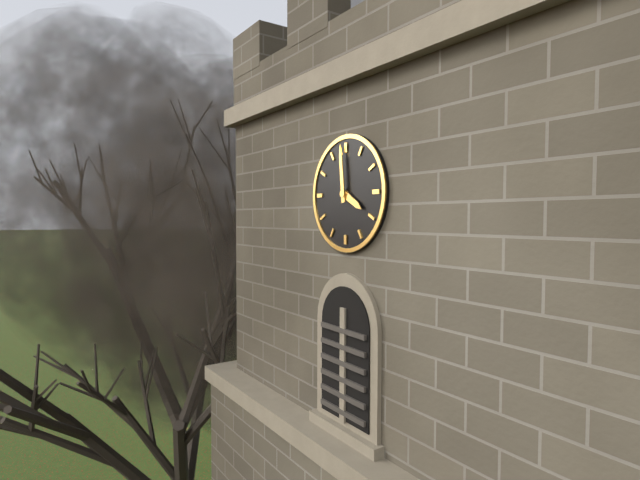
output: 3.59
